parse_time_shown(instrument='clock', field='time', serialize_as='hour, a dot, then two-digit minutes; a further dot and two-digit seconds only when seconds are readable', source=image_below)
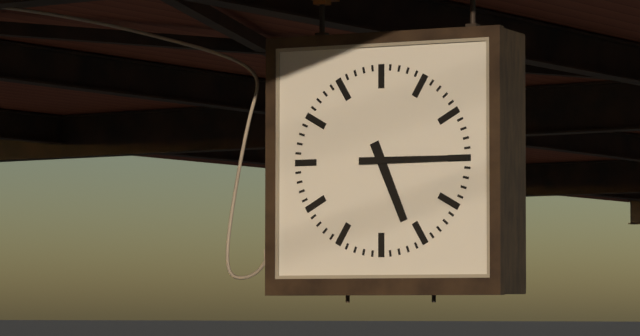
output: 5.15
